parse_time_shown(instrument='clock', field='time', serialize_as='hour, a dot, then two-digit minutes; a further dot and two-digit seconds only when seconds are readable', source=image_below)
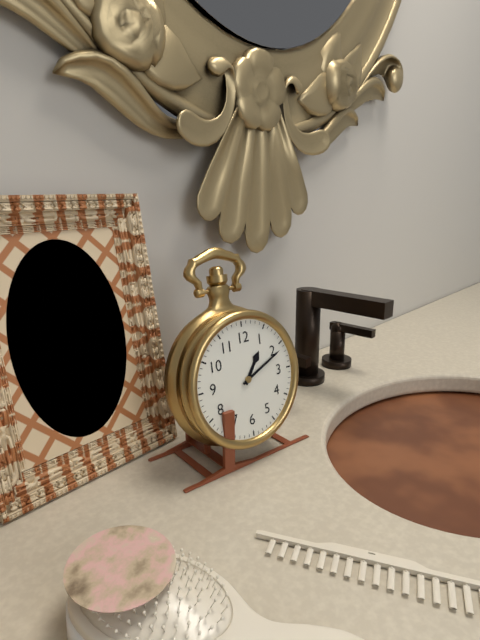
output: 1.11
